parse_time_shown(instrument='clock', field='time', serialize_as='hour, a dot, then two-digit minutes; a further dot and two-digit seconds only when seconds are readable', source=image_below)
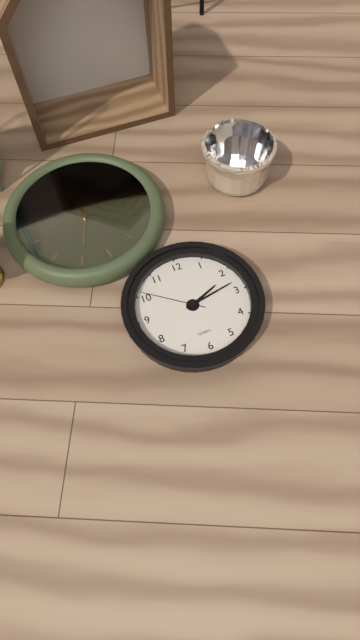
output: 2.13.51
